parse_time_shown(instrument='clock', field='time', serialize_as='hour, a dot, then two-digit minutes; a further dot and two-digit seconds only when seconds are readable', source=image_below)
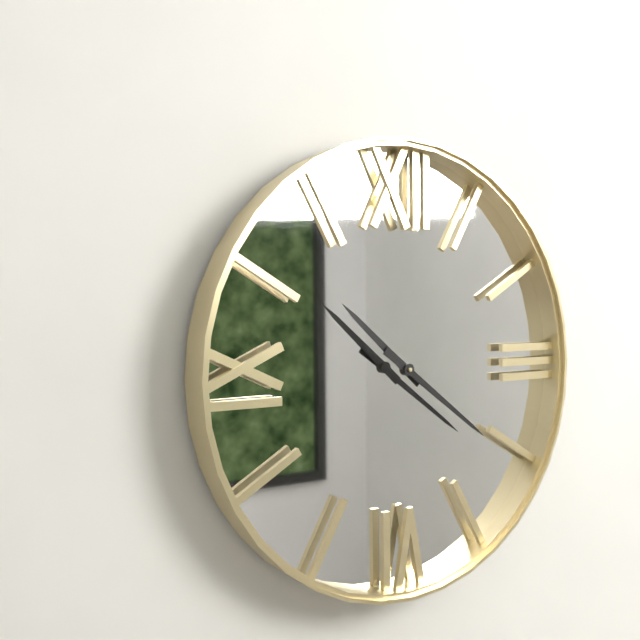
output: 10.21
